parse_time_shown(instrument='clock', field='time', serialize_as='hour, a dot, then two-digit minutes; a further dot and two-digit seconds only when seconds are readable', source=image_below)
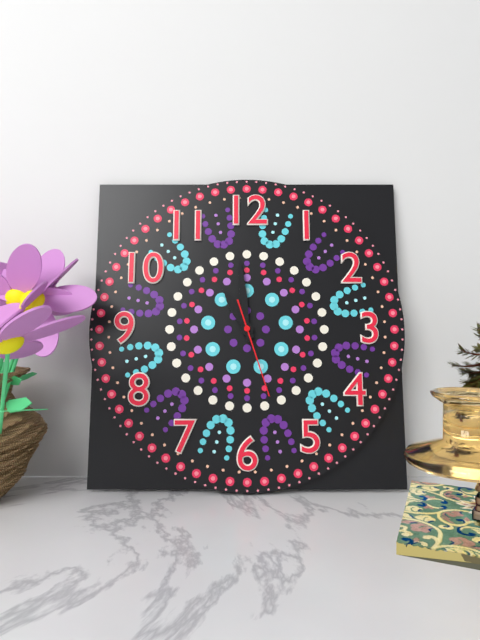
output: 10.59.27
